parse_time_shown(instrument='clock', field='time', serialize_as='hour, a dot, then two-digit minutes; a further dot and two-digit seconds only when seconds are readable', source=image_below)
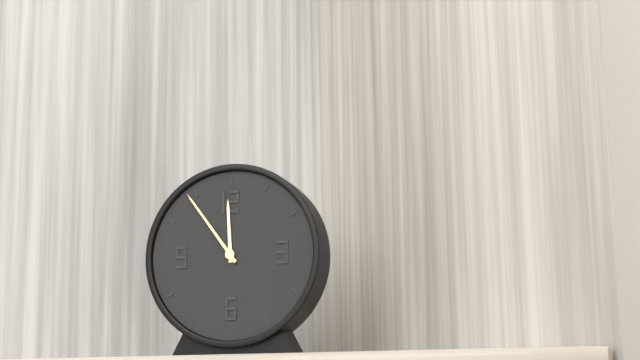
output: 11.54
